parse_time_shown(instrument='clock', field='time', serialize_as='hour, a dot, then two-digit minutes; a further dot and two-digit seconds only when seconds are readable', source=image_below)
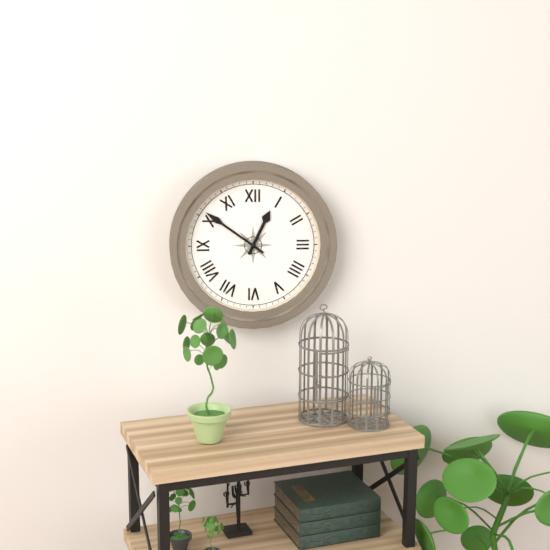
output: 12.51
